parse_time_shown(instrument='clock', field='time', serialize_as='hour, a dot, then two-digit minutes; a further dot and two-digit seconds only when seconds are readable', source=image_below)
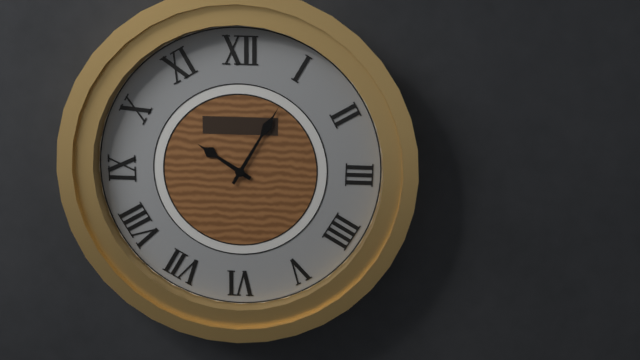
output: 10.05
